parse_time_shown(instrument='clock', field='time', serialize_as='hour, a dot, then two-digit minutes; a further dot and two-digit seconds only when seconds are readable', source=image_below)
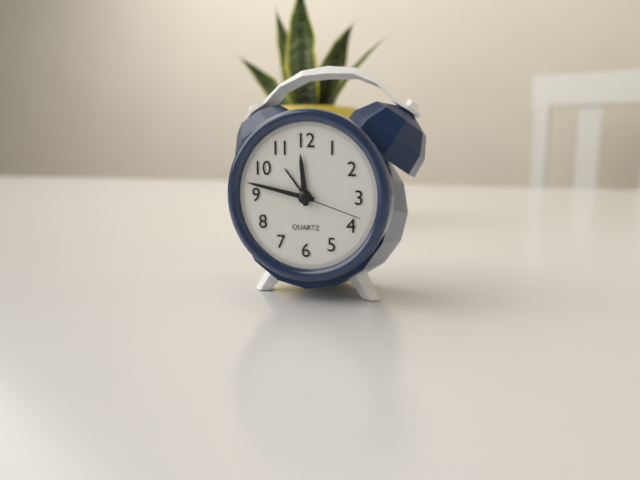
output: 11.47.18
